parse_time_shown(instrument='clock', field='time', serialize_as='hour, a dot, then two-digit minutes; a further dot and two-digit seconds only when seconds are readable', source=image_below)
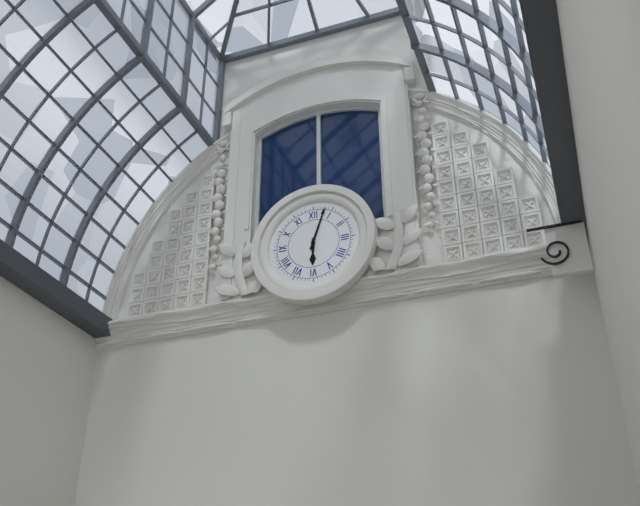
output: 6.03
